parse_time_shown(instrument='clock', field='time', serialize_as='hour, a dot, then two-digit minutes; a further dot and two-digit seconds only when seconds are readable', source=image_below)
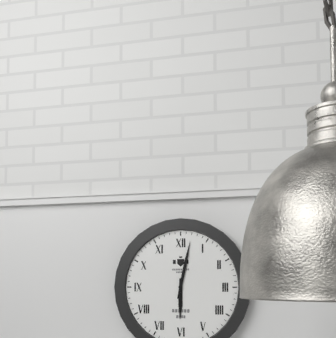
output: 6.02
